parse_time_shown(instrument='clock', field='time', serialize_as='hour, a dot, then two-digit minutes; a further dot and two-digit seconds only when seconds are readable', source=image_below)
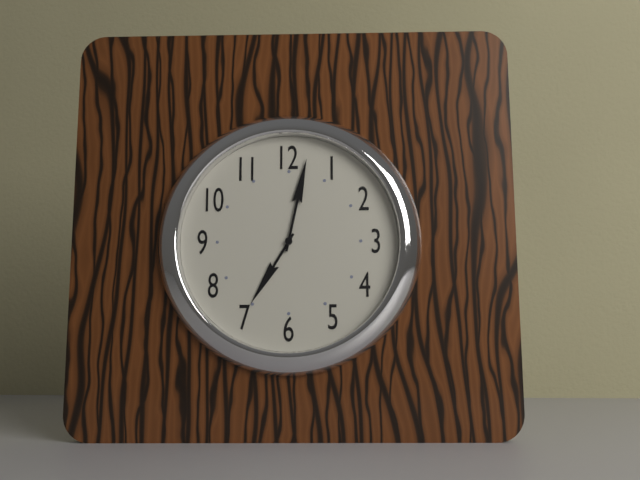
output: 7.02
